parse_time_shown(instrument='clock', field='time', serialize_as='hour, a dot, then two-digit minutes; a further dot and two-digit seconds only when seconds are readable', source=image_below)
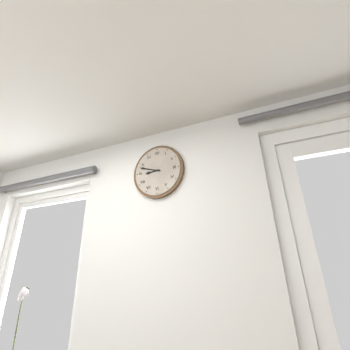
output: 8.48
